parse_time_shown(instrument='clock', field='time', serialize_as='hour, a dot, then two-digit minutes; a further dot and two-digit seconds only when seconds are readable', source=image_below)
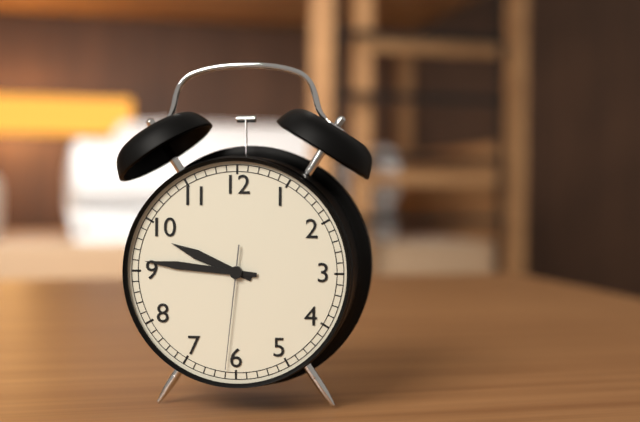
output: 9.46.31
